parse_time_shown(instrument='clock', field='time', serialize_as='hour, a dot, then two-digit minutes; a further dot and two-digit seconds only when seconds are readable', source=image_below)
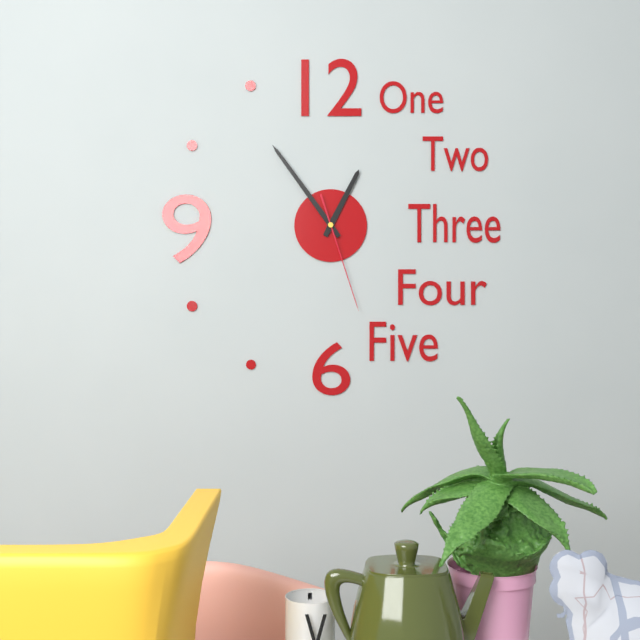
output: 12.54.27
